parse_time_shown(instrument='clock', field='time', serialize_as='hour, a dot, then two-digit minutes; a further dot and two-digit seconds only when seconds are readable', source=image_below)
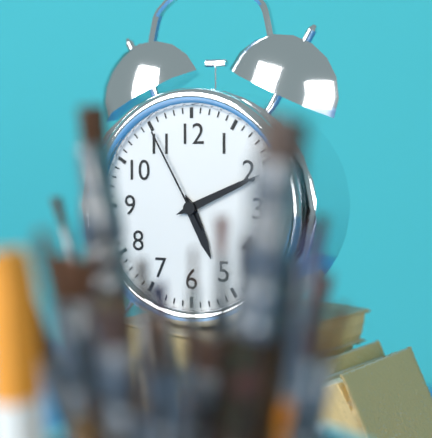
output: 5.11.55
